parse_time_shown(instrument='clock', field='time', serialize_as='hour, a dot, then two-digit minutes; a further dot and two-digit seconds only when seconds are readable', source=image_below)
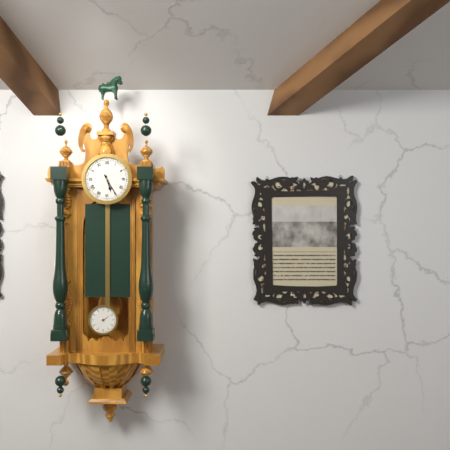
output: 5.25
